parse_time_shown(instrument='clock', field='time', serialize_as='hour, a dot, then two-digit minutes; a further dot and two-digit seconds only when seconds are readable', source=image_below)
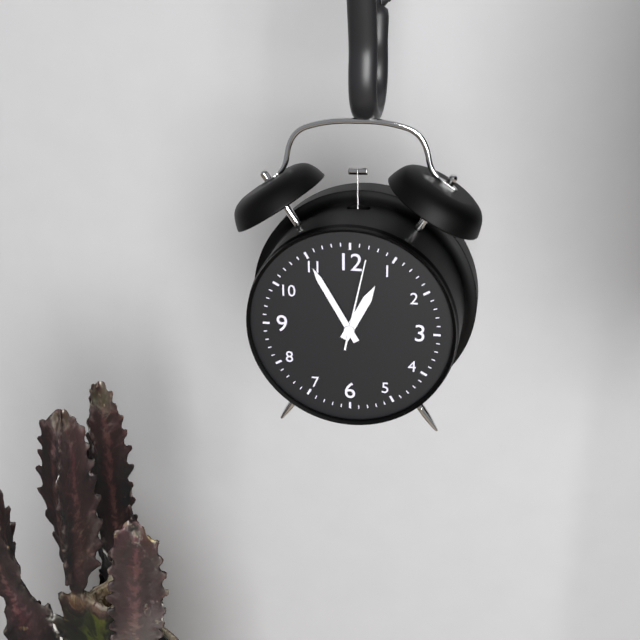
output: 12.55.02
